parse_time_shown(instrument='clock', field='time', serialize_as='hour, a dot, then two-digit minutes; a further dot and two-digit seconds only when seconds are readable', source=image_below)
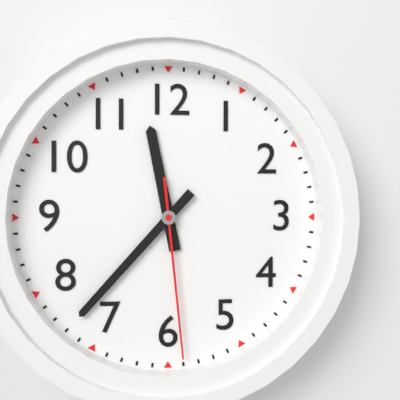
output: 11.37.29
